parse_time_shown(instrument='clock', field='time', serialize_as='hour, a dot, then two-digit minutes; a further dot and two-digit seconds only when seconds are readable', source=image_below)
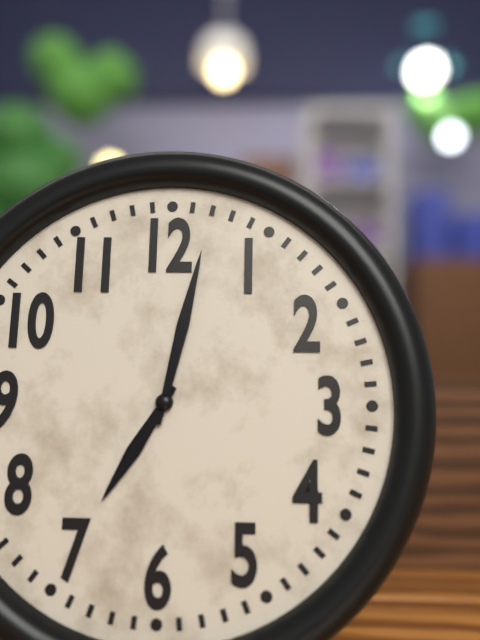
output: 7.02
